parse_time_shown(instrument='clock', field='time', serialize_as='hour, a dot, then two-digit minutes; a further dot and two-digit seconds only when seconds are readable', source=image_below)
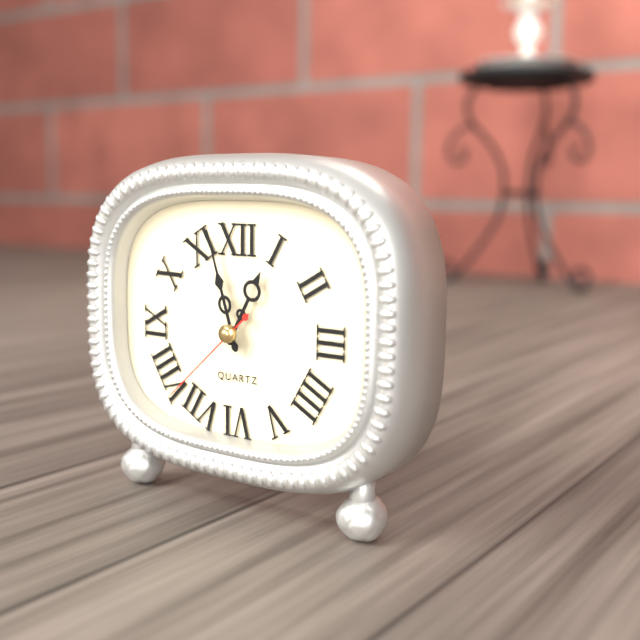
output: 12.57.38
